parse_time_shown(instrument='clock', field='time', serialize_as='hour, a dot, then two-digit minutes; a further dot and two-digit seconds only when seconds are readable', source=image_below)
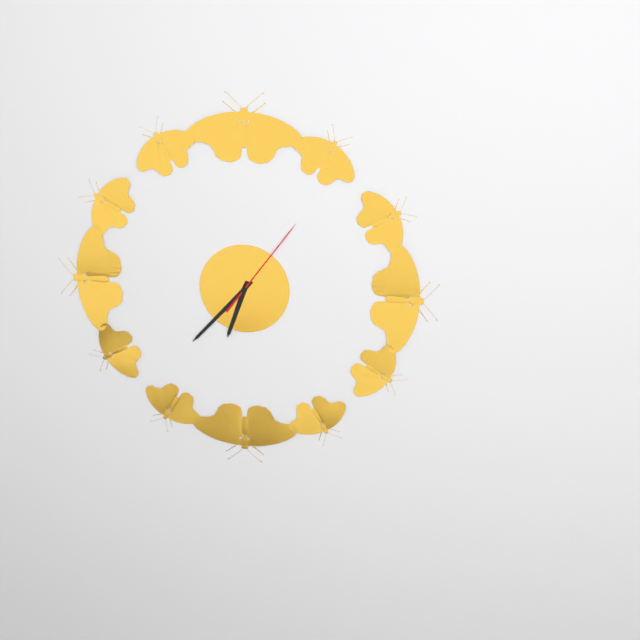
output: 6.37.06
